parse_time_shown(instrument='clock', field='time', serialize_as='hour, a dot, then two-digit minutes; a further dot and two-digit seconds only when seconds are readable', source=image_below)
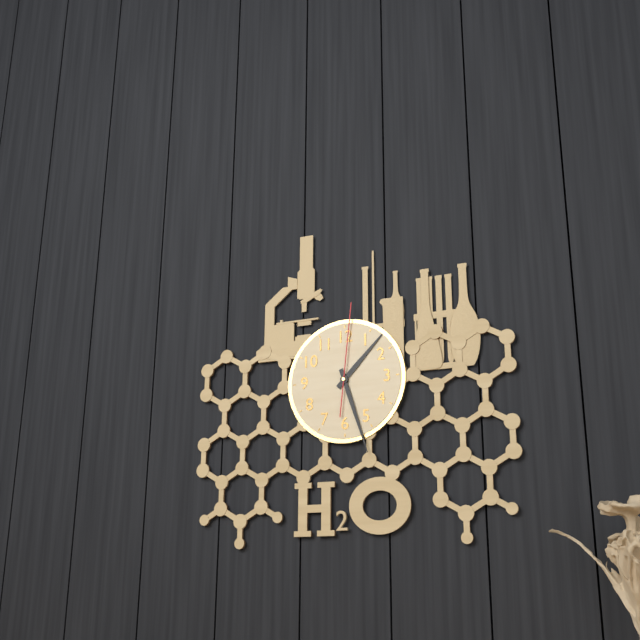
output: 1.27.01
